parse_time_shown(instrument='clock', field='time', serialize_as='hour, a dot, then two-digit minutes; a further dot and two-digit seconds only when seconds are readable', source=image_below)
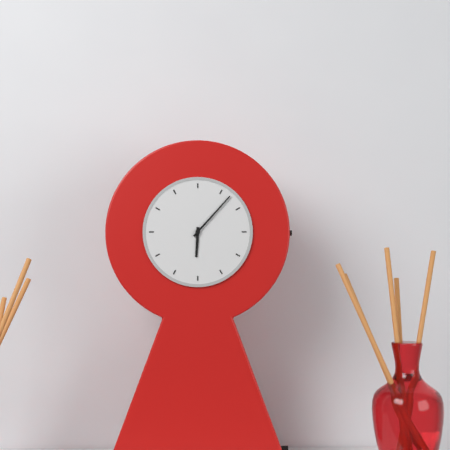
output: 6.07
